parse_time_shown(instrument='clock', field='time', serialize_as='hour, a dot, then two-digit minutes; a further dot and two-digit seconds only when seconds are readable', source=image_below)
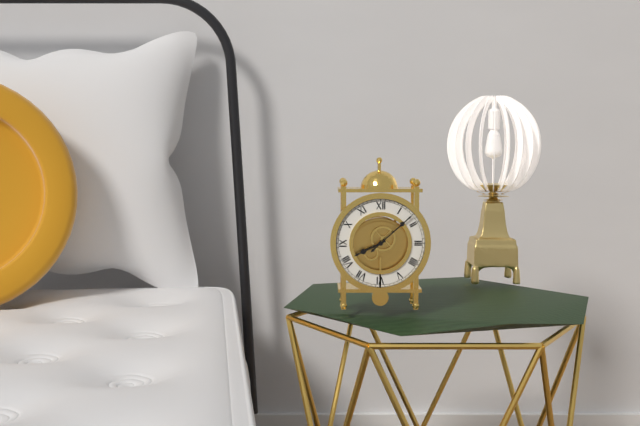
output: 8.08
